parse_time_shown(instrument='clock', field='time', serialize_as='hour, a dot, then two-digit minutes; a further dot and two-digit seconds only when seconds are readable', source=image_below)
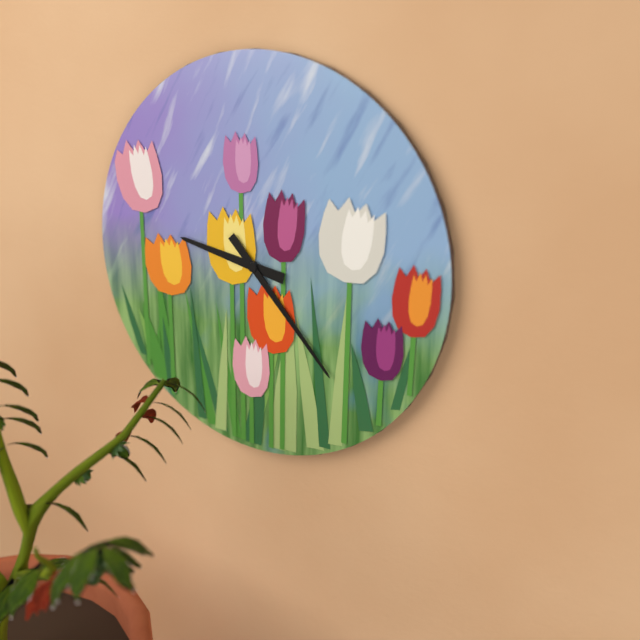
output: 9.23
